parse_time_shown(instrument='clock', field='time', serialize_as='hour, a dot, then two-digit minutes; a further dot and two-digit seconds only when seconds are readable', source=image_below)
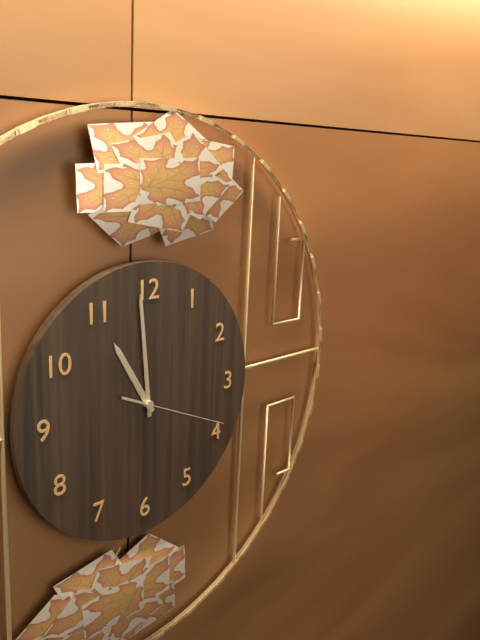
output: 10.59.19
